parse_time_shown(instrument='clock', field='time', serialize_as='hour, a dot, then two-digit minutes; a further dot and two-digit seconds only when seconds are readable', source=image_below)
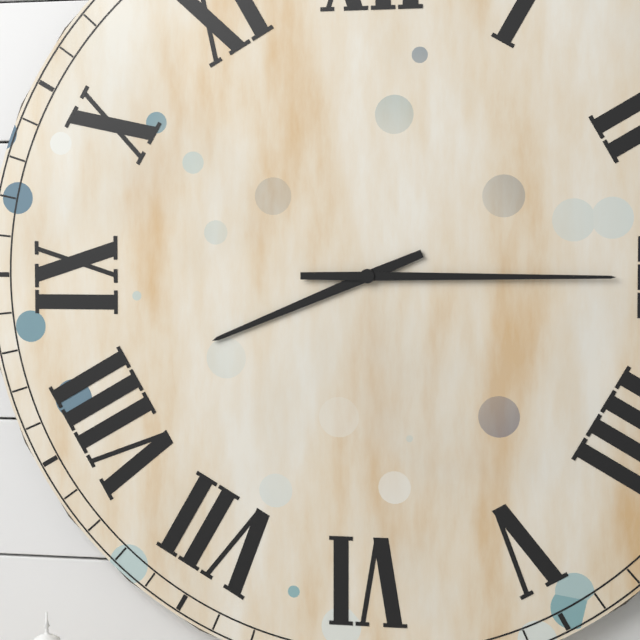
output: 8.15
